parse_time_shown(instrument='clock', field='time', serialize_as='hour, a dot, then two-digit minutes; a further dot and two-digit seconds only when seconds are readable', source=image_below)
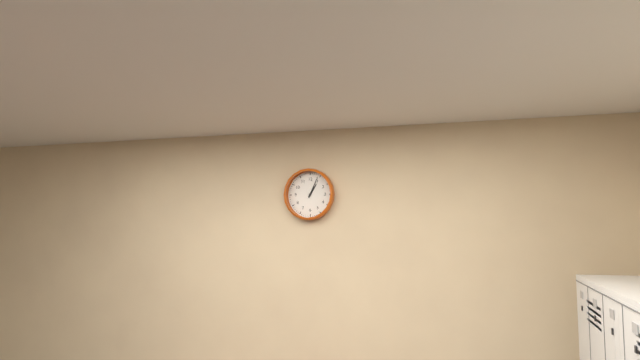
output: 1.04
